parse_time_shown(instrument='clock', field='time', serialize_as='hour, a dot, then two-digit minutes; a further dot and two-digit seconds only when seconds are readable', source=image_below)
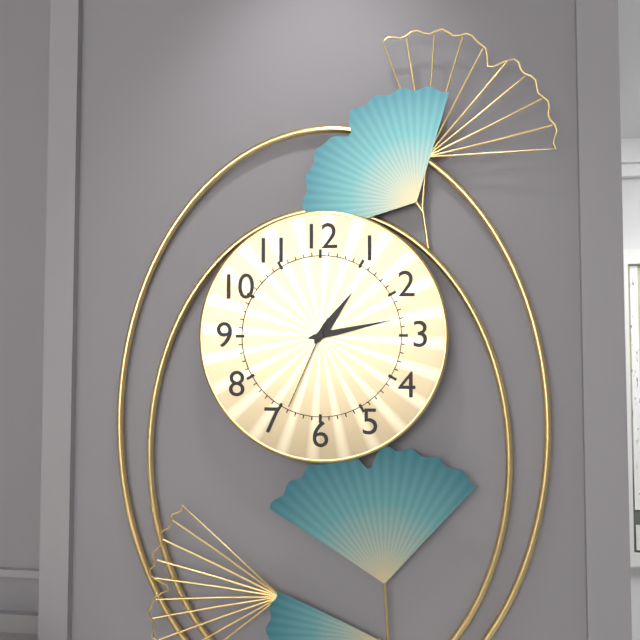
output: 1.13.34
